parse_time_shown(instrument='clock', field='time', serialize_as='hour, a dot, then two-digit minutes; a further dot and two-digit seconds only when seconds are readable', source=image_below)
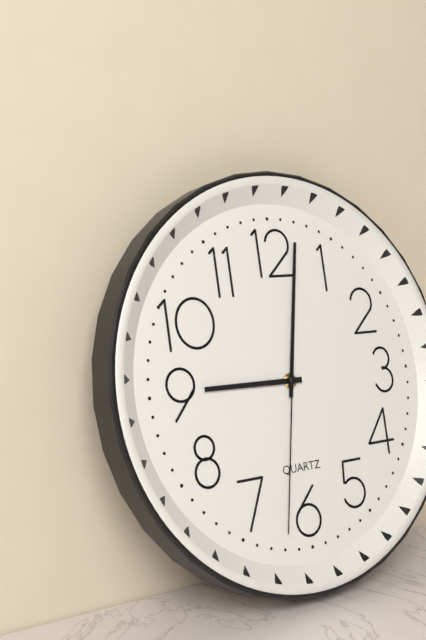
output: 9.02.32
